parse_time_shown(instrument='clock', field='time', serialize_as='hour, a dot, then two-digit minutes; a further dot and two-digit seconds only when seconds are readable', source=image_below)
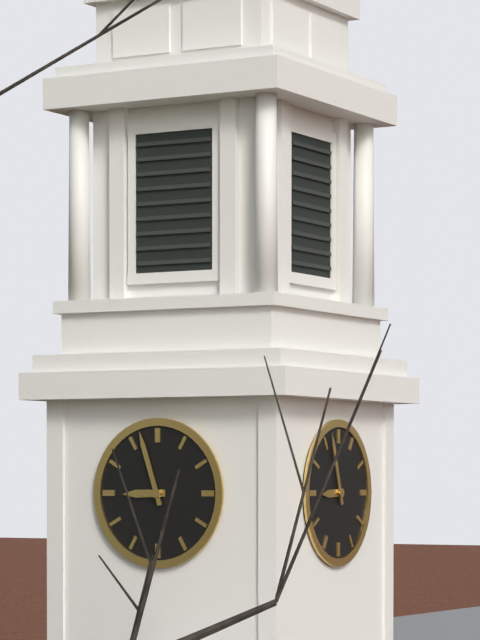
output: 8.57
